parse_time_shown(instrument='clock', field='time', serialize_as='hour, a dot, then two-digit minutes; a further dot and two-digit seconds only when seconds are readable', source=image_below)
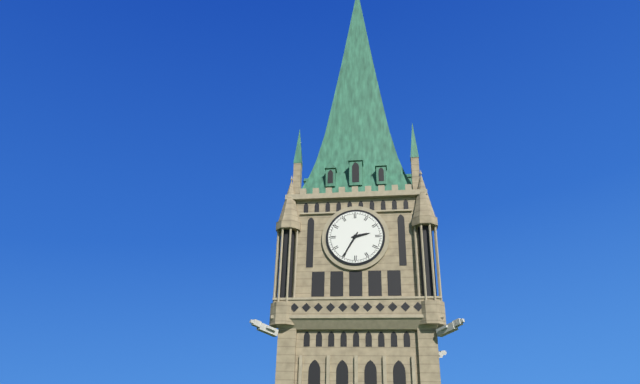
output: 2.35
